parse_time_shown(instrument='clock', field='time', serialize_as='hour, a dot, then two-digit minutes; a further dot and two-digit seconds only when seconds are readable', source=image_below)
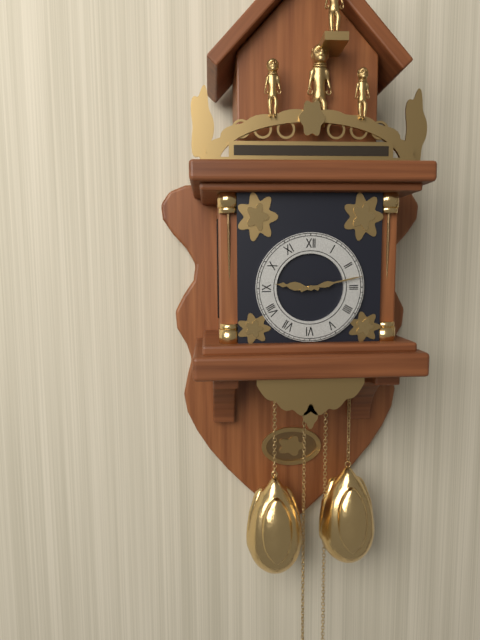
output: 9.13
